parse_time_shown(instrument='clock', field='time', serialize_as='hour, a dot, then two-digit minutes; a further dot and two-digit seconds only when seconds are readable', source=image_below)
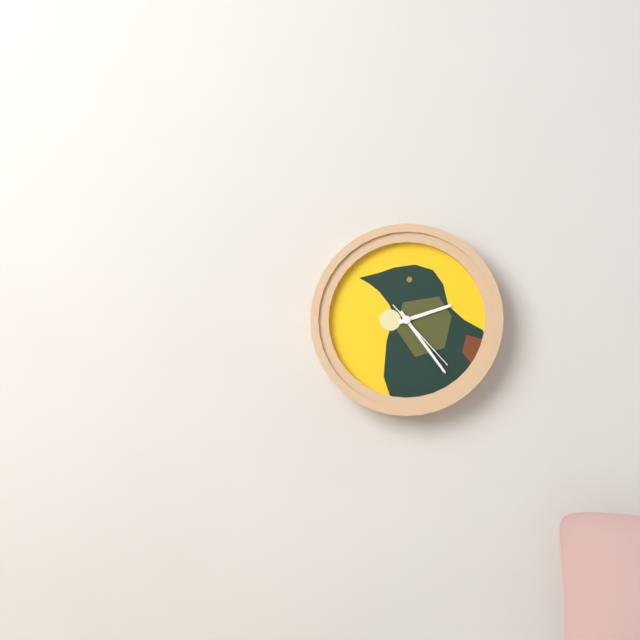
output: 2.24.23
